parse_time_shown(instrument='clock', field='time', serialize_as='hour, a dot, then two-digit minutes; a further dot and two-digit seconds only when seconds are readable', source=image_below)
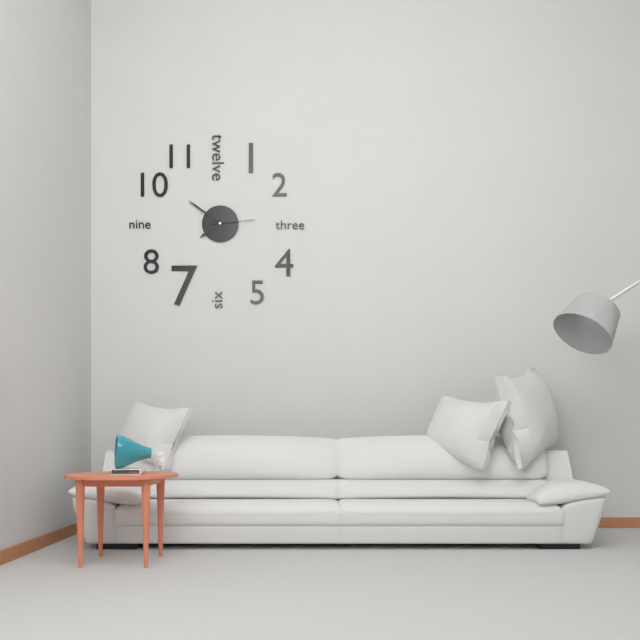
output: 7.51
